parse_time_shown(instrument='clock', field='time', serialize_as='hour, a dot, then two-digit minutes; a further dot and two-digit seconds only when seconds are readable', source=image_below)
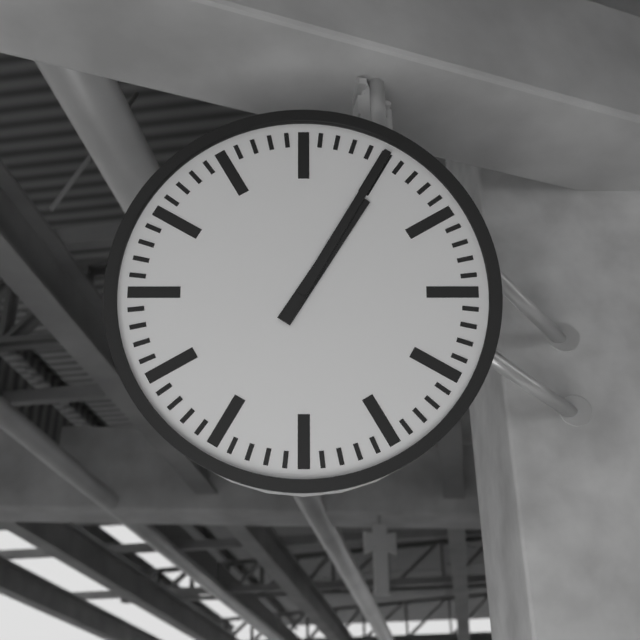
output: 1.05
